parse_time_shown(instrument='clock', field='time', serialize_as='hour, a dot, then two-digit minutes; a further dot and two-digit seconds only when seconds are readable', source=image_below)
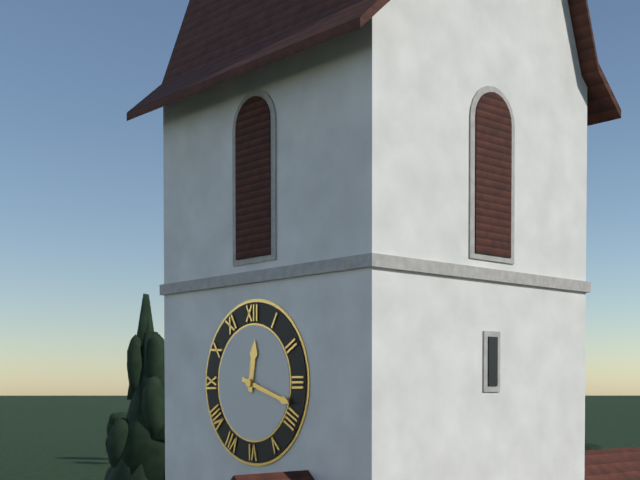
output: 12.18
